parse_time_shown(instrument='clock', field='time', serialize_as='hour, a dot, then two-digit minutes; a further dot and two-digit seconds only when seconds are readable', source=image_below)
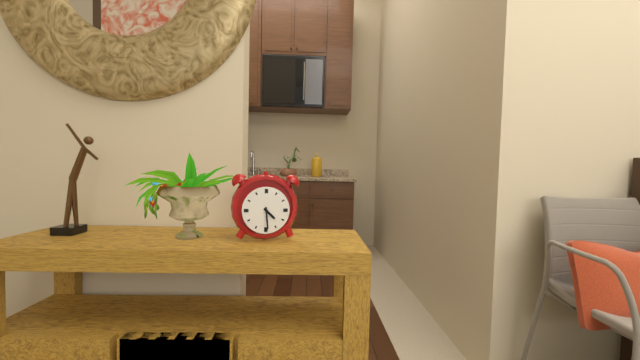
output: 4.29
